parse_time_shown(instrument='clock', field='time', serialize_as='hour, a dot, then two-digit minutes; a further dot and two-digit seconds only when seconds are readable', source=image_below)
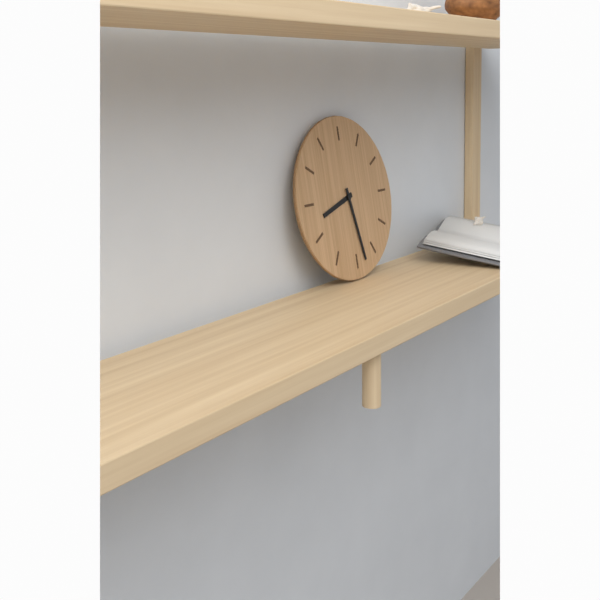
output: 8.28
